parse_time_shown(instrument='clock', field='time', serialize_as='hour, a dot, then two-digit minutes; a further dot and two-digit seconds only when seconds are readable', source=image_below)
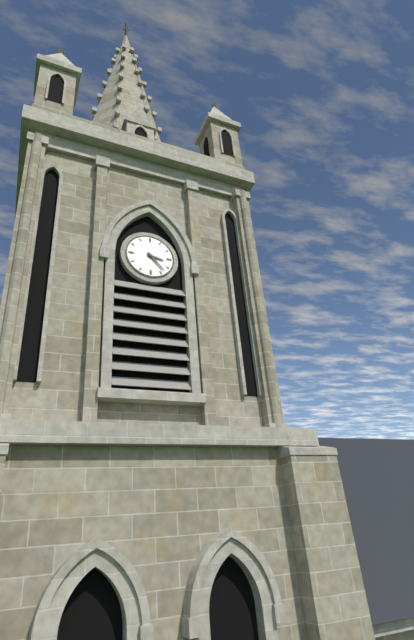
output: 3.23
